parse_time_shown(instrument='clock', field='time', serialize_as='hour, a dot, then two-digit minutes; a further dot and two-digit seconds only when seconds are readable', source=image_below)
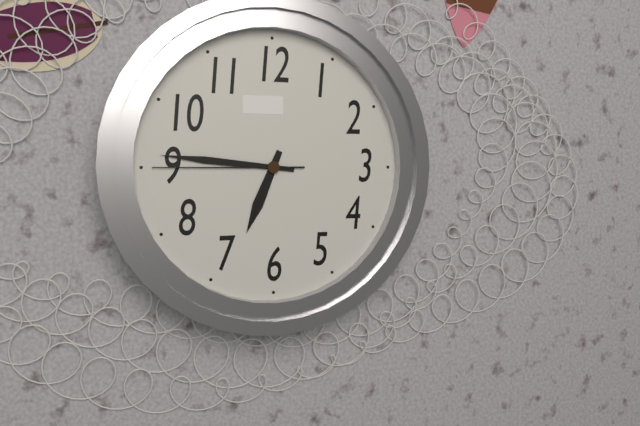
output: 6.46.45
